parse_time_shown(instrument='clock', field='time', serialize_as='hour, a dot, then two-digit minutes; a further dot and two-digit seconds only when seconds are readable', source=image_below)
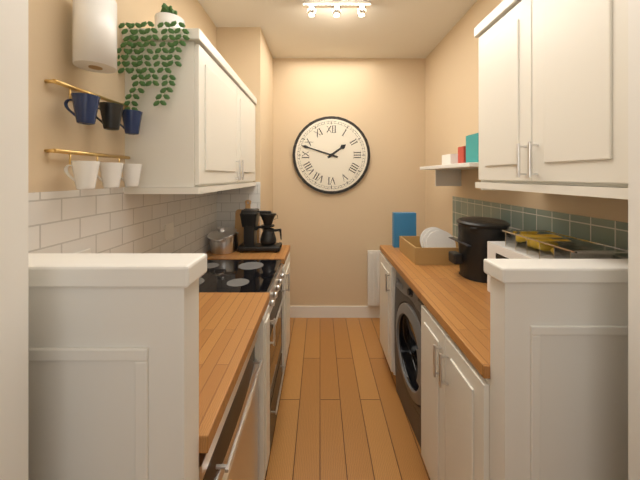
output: 1.48
